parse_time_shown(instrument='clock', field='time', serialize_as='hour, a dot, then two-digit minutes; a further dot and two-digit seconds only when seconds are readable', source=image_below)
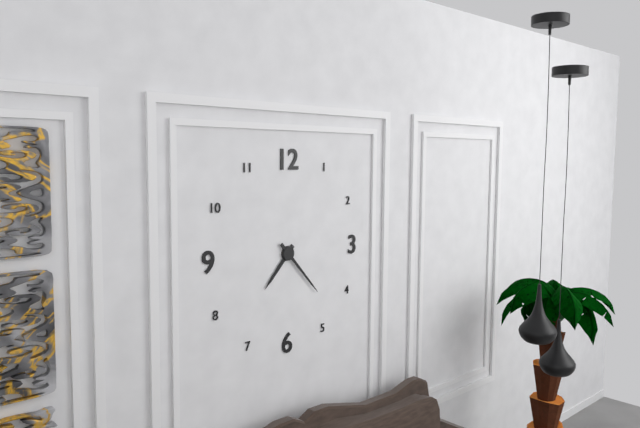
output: 7.23
